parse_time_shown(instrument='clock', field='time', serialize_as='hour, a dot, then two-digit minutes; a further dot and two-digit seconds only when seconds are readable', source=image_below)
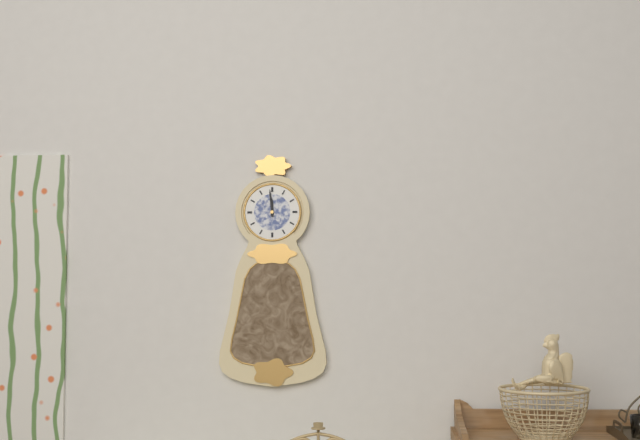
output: 11.59
